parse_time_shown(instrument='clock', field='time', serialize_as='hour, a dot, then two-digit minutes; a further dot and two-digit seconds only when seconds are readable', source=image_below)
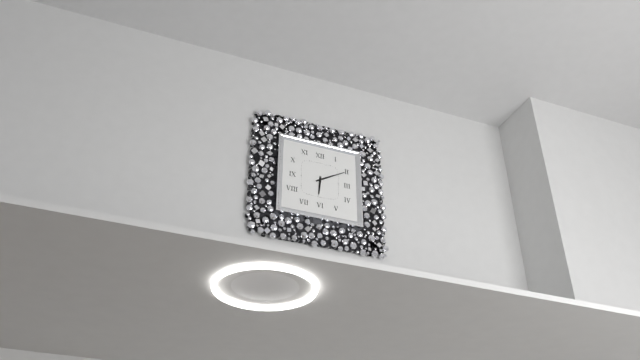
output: 6.10
